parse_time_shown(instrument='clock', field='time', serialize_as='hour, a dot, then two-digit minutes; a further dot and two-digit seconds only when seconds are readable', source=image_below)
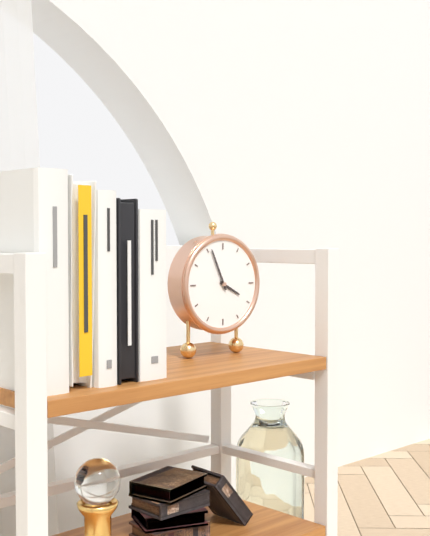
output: 3.56
